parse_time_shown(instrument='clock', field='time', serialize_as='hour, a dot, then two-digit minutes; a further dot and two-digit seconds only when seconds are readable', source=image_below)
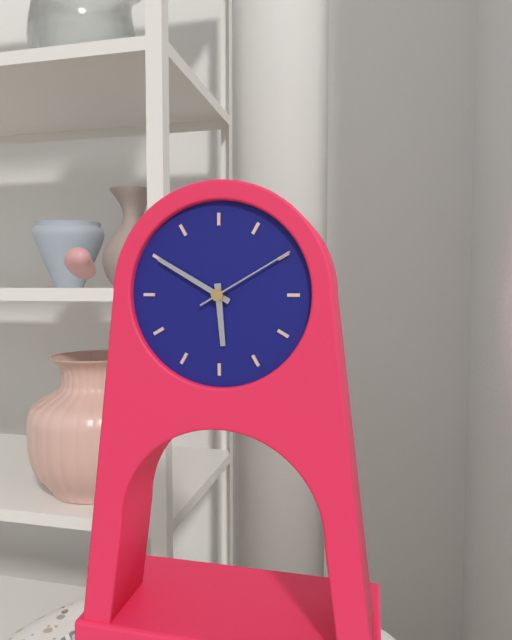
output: 5.50.10
